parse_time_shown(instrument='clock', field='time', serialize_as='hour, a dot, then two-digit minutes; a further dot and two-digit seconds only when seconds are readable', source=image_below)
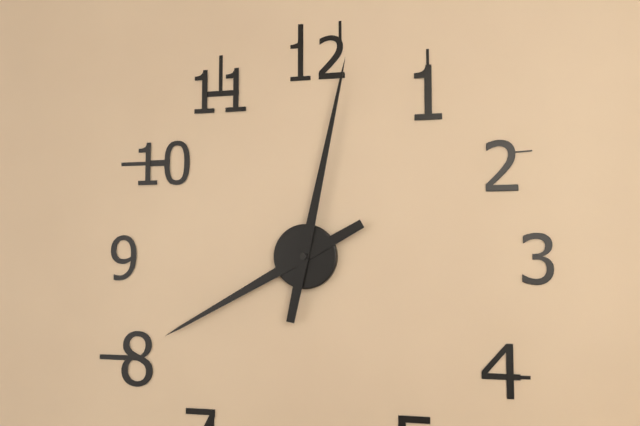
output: 8.02
